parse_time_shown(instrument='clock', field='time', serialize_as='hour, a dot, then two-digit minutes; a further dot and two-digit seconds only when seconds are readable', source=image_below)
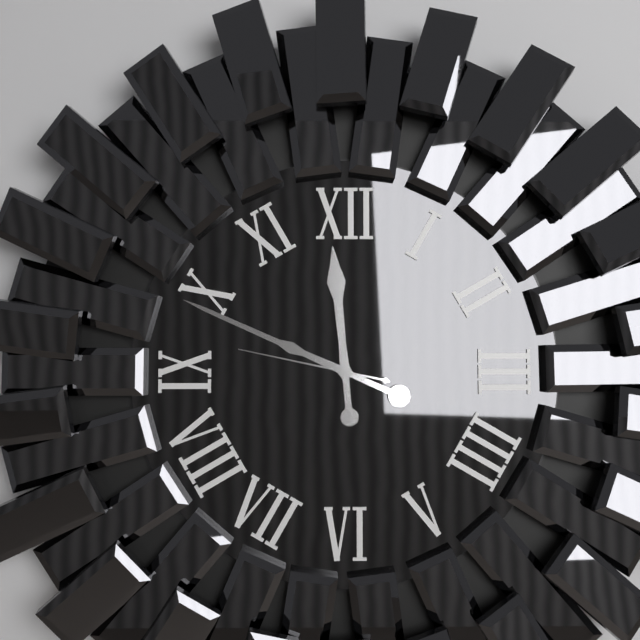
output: 11.49.47
